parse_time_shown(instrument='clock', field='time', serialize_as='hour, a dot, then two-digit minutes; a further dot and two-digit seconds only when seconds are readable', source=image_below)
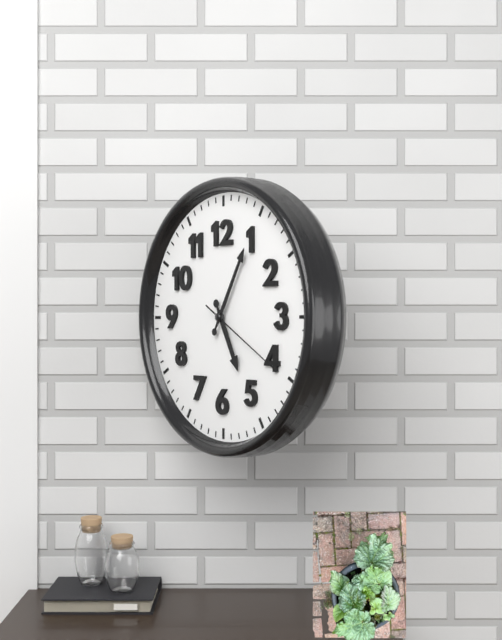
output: 5.05.20
